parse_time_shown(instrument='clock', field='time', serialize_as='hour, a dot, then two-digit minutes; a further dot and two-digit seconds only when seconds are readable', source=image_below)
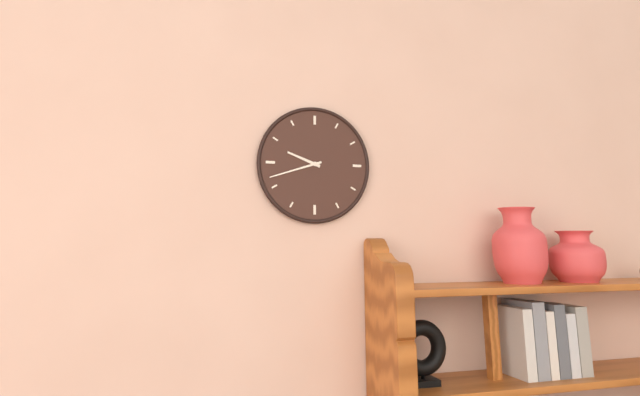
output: 9.42
